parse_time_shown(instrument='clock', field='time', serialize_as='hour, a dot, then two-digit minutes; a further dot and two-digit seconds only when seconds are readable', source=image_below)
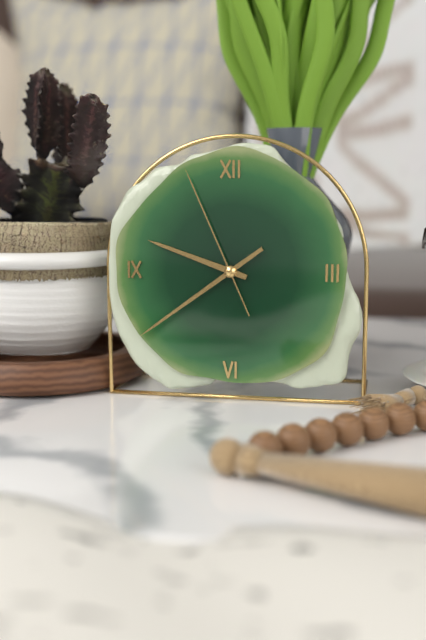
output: 9.39.56
